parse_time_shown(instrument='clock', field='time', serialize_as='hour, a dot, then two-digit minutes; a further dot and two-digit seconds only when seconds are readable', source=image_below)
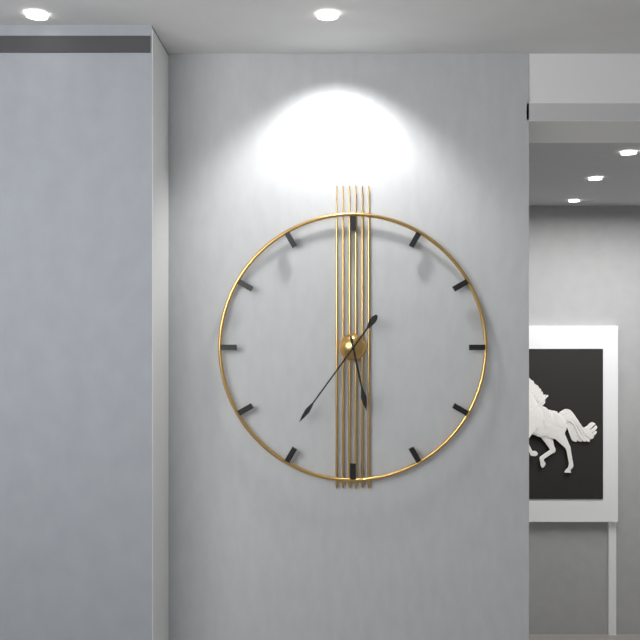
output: 5.36
